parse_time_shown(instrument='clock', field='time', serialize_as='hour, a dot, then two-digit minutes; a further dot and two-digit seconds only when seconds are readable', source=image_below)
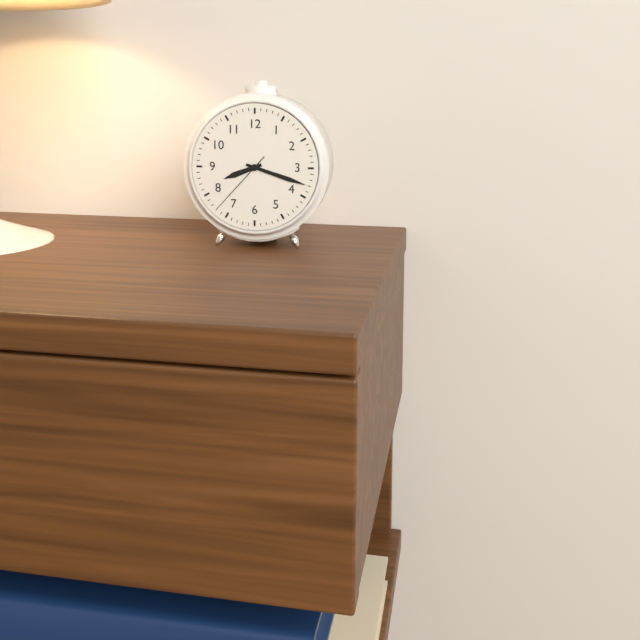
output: 8.18.37
